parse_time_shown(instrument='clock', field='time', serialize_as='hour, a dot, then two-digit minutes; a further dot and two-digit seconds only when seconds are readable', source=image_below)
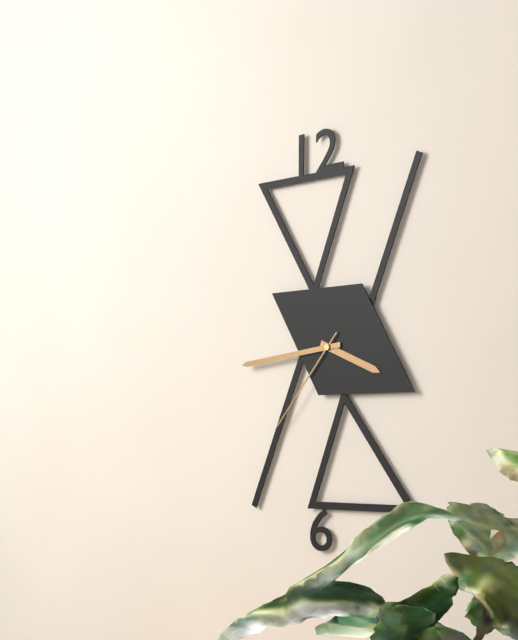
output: 3.44.37
